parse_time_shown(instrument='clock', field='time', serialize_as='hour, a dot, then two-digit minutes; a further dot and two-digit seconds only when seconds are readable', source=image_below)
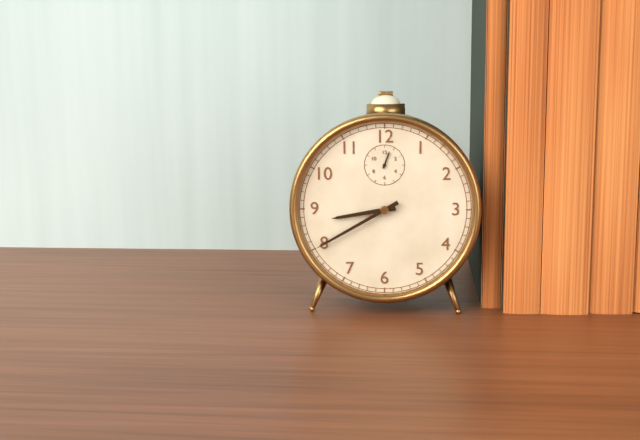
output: 8.40
